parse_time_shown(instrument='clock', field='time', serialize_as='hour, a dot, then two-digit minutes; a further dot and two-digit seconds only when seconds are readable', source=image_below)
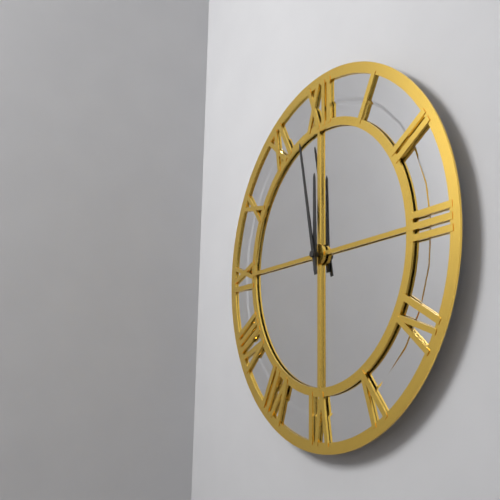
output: 11.58
